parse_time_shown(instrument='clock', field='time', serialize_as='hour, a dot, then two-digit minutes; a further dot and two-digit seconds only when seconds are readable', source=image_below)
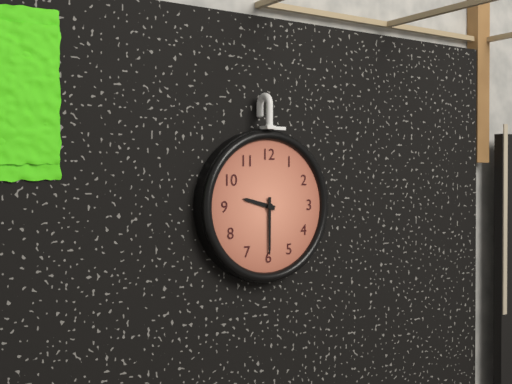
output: 9.30
